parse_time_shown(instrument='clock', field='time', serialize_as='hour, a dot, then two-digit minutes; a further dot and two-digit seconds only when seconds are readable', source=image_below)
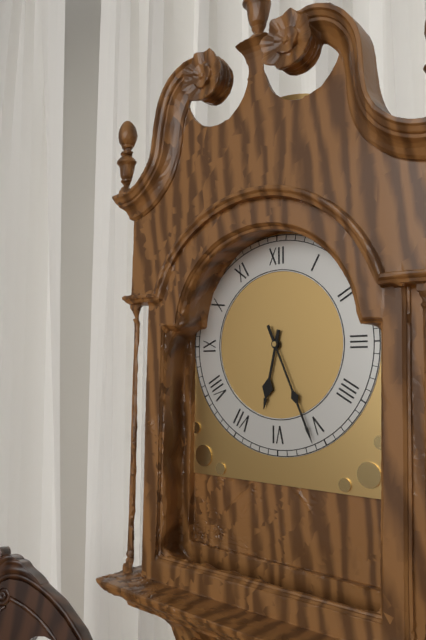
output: 6.26
